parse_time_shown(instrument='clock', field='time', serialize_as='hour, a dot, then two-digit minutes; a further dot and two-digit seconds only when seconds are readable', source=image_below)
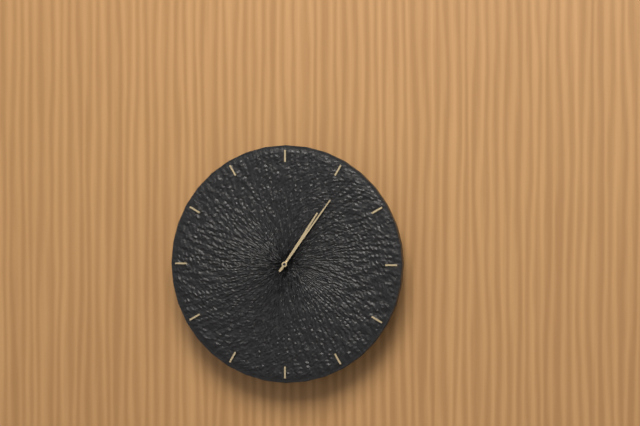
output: 1.06
